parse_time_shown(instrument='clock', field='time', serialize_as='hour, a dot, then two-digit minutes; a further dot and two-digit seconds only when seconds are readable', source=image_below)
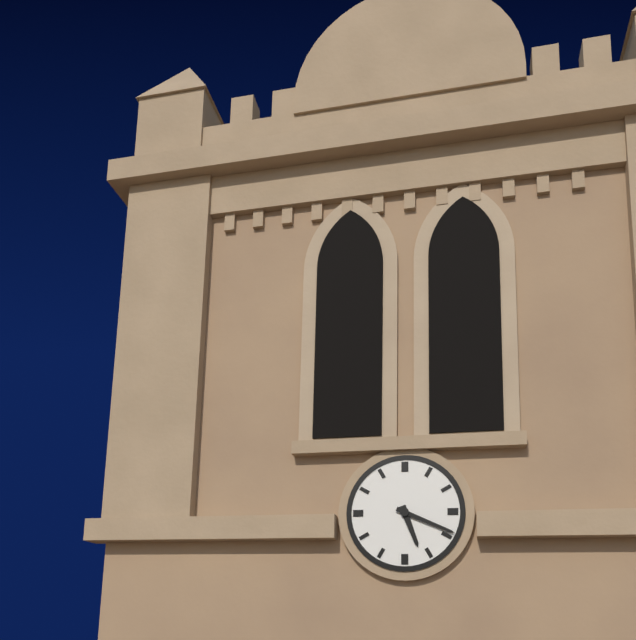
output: 5.19
